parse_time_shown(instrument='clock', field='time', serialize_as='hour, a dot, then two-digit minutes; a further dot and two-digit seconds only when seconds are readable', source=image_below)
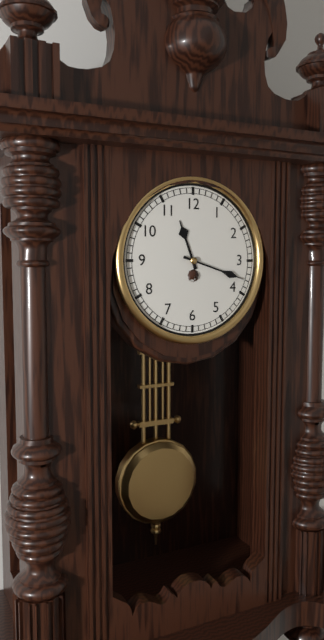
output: 11.18
